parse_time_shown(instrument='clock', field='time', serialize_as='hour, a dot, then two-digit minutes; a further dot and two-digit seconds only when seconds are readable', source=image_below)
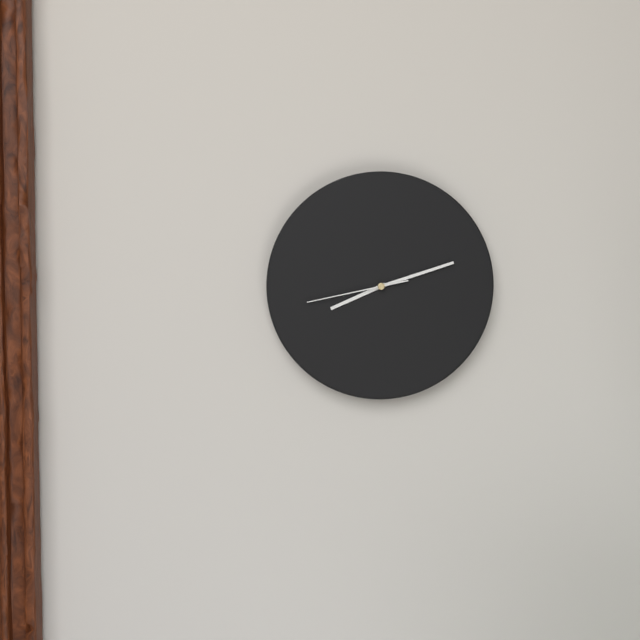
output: 8.12.43
